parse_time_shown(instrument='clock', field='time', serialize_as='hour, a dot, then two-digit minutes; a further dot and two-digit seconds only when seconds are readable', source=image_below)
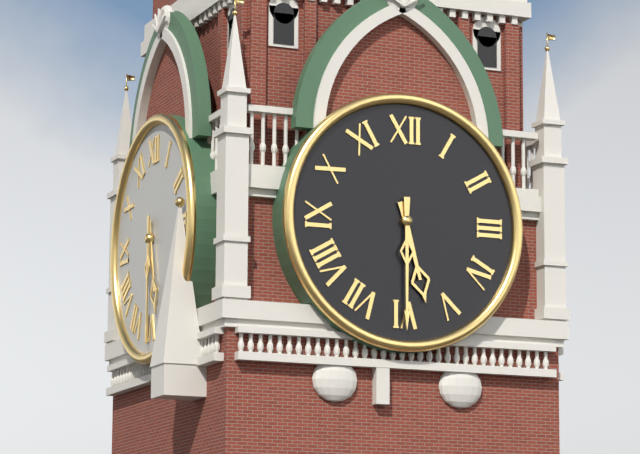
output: 5.30
